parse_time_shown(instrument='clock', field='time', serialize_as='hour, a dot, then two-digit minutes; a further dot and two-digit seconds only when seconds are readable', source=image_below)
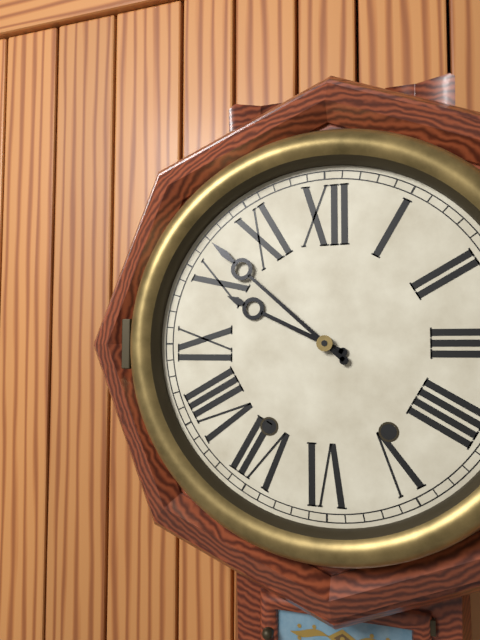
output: 9.52
